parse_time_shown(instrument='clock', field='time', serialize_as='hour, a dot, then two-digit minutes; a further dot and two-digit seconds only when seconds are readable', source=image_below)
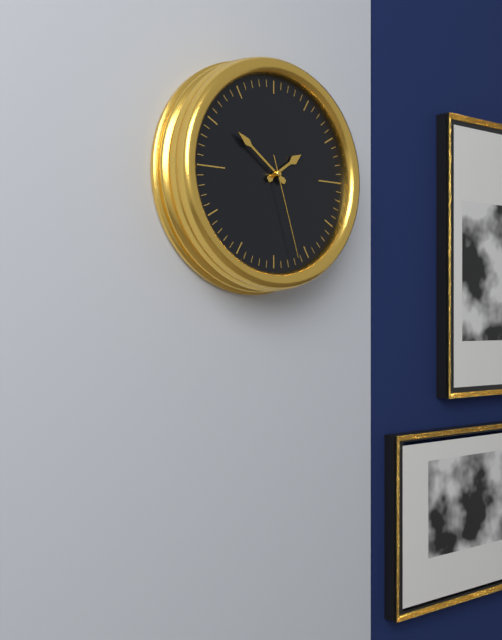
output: 1.51.27
